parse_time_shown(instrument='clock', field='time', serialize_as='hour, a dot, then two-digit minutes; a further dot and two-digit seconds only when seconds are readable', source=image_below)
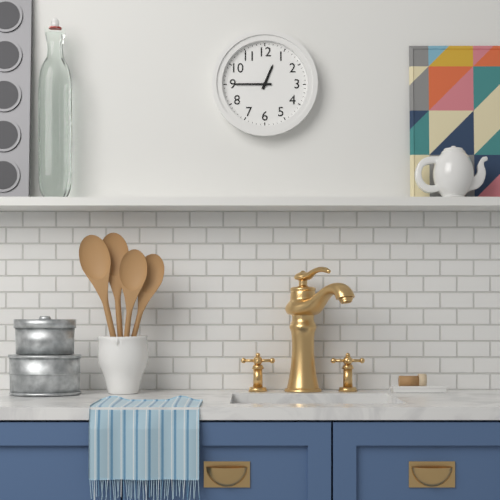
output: 12.45
